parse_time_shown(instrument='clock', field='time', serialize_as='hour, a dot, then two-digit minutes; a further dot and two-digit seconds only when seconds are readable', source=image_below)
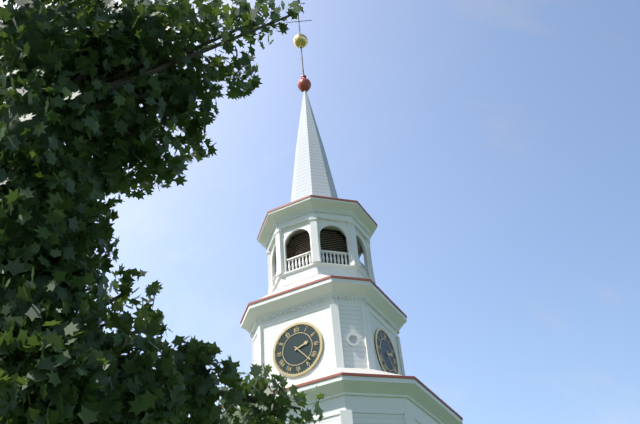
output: 2.23
